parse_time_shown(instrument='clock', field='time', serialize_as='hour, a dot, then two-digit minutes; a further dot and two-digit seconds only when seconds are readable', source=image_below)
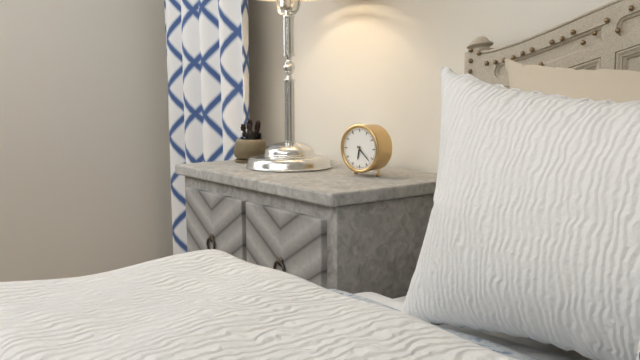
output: 6.22
